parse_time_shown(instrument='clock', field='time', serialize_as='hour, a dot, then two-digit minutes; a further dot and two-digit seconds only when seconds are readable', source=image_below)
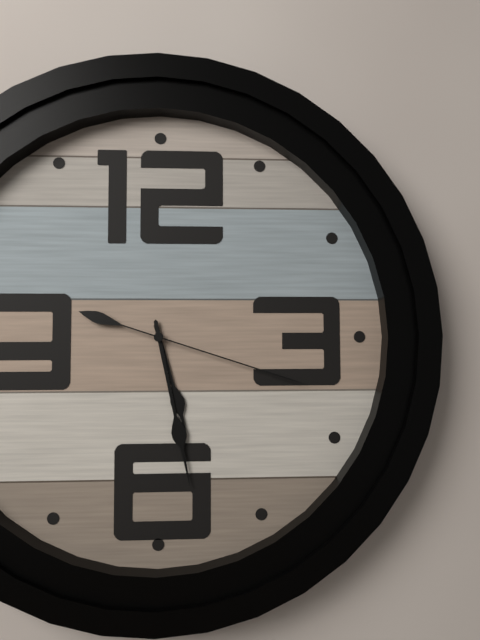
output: 5.28.18
